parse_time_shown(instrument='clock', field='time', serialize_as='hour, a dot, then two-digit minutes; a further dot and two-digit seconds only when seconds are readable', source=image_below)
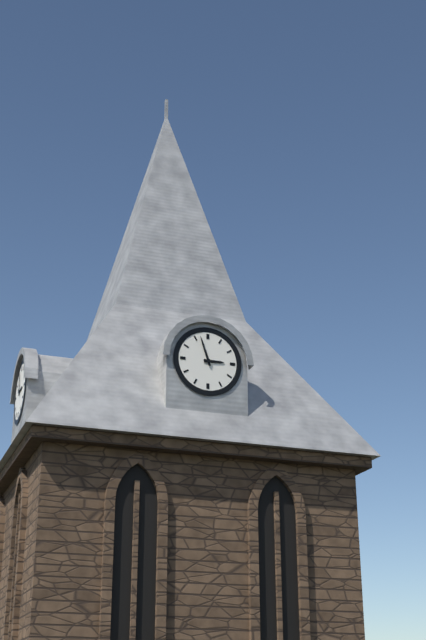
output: 2.57
